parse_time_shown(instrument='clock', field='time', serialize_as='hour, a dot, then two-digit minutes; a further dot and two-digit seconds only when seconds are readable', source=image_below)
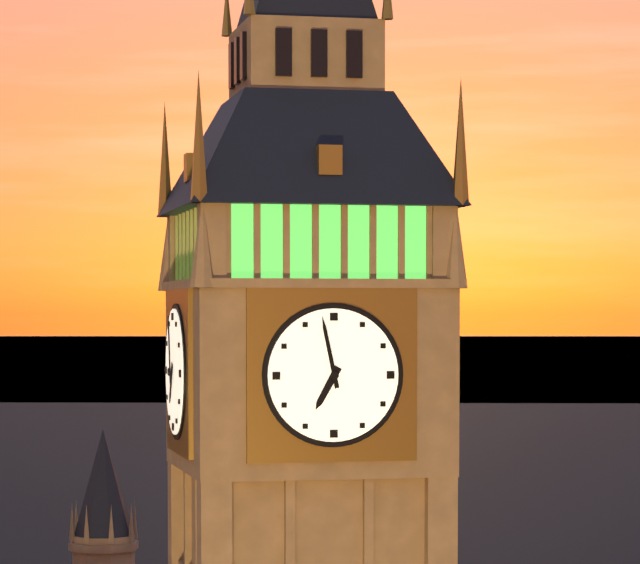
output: 6.58
